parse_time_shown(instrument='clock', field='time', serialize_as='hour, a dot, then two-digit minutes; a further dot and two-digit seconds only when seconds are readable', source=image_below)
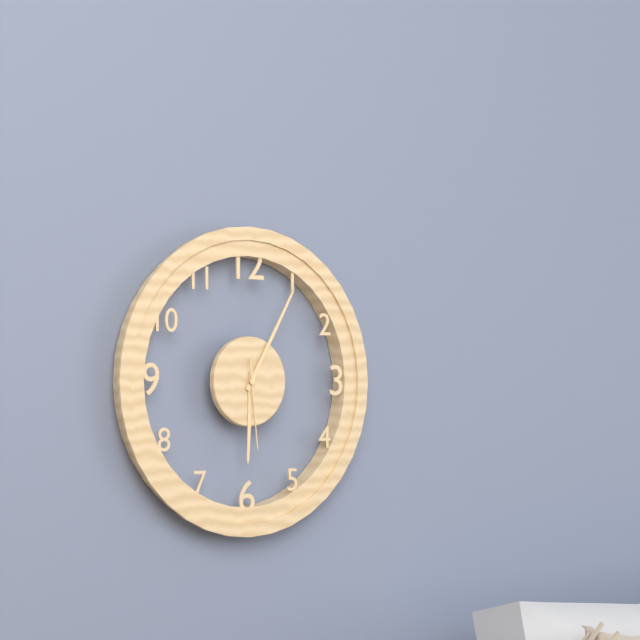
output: 6.05.29
